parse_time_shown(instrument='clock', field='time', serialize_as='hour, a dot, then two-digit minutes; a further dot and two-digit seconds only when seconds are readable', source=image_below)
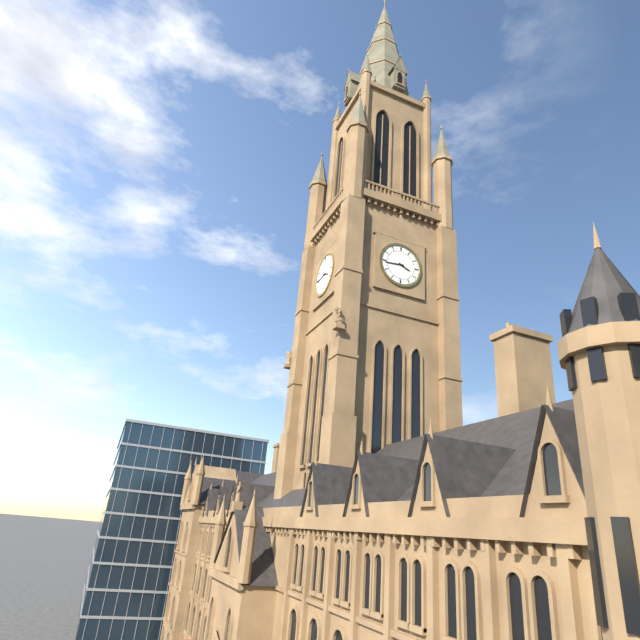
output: 3.44
